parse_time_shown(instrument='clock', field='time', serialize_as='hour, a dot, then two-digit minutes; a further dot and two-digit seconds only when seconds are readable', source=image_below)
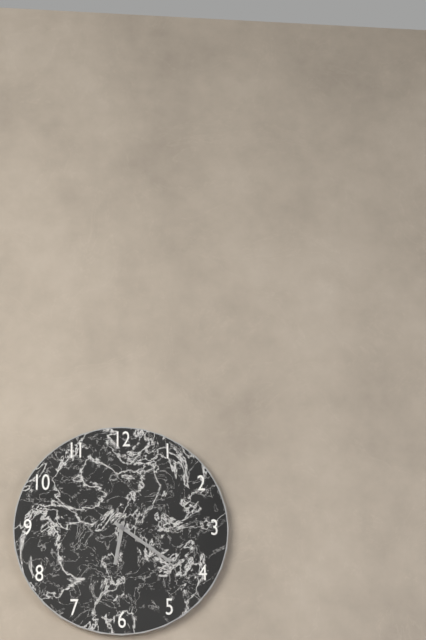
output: 6.21
